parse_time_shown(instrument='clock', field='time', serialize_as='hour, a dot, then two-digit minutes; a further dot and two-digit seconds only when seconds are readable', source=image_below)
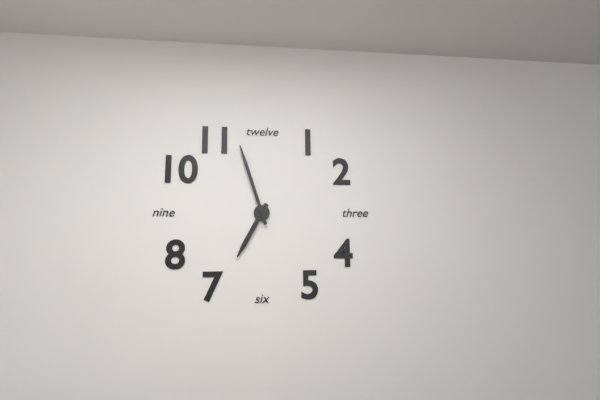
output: 6.57
